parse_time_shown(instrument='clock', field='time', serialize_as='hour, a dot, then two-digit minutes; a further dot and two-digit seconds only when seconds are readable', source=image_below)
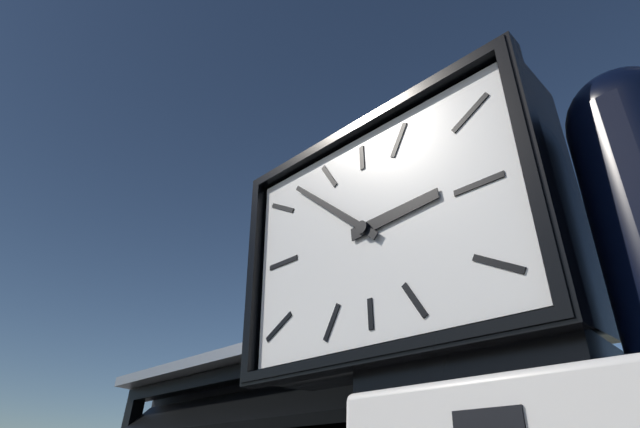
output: 2.52
